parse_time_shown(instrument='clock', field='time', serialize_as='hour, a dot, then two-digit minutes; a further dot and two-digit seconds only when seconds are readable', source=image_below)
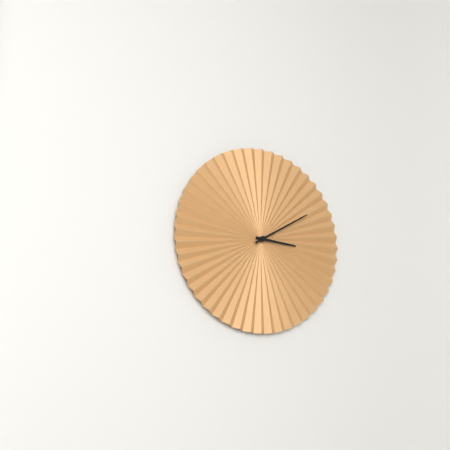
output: 3.10
